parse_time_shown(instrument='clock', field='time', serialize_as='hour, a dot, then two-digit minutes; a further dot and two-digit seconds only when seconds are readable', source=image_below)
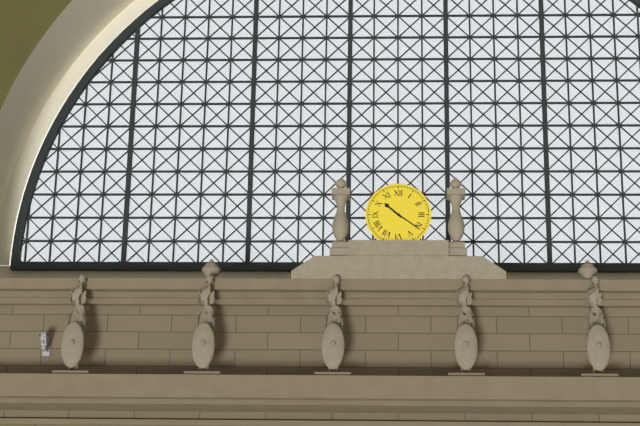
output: 10.21
